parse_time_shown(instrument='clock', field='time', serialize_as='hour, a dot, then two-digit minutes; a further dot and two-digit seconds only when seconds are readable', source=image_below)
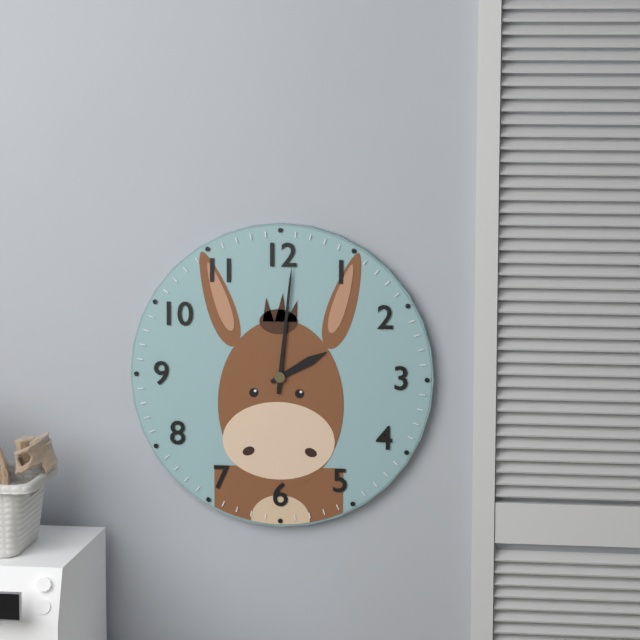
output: 2.01
